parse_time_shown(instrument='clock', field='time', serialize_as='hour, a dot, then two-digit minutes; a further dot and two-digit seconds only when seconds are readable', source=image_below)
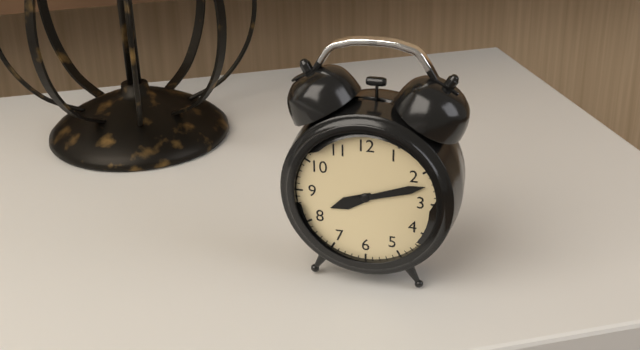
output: 8.12
